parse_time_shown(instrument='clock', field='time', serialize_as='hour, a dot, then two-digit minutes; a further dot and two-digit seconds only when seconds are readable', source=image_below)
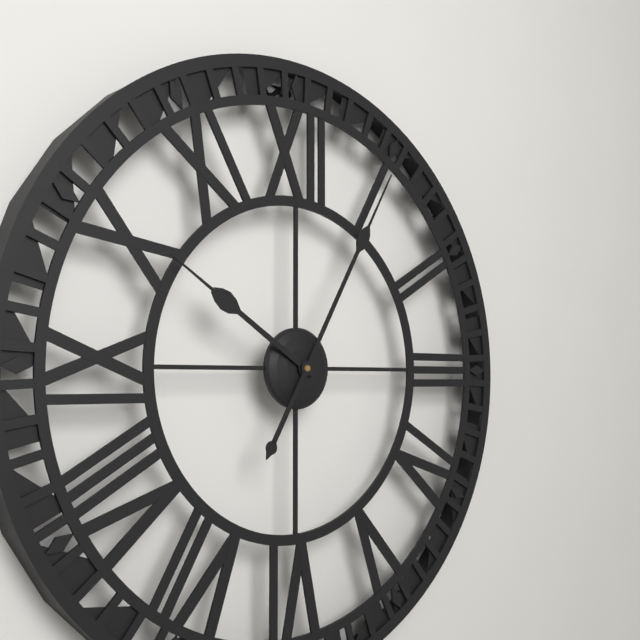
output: 10.05
